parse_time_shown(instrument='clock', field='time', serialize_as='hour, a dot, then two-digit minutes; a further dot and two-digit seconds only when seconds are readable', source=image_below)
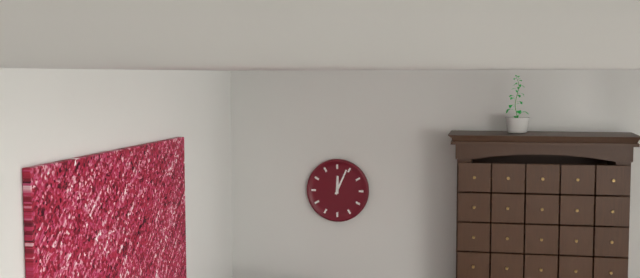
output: 12.04
